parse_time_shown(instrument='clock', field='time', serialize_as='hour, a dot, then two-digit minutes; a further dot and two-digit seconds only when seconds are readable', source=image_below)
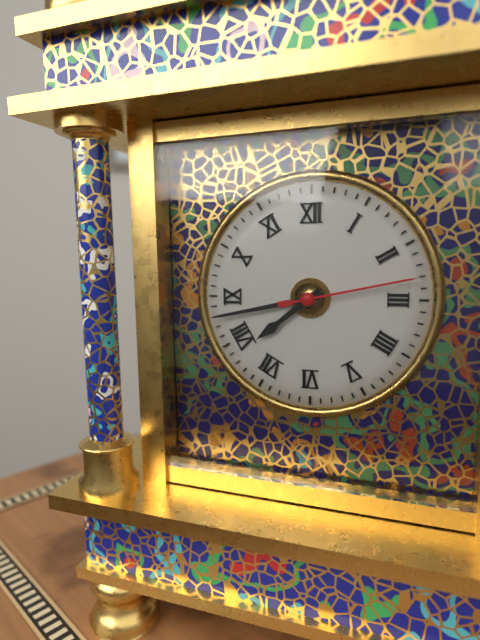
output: 7.43.13
